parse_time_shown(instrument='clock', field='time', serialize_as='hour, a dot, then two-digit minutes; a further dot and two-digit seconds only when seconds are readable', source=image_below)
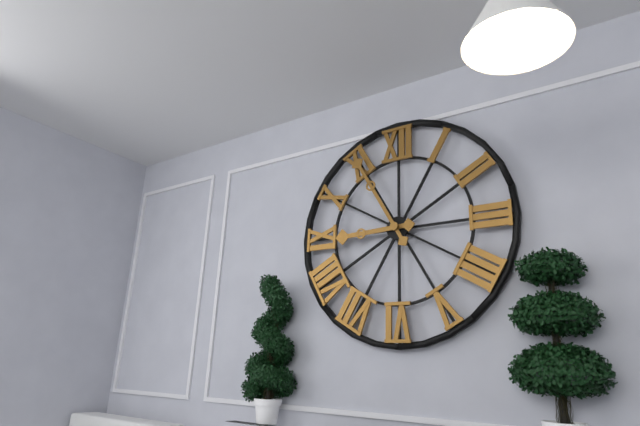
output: 8.55
